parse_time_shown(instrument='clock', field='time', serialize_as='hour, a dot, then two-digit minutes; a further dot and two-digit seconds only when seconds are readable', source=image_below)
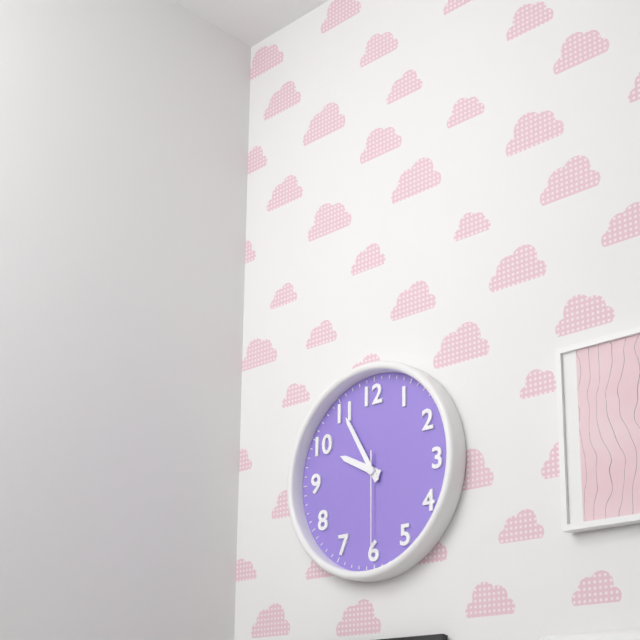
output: 9.55.30
